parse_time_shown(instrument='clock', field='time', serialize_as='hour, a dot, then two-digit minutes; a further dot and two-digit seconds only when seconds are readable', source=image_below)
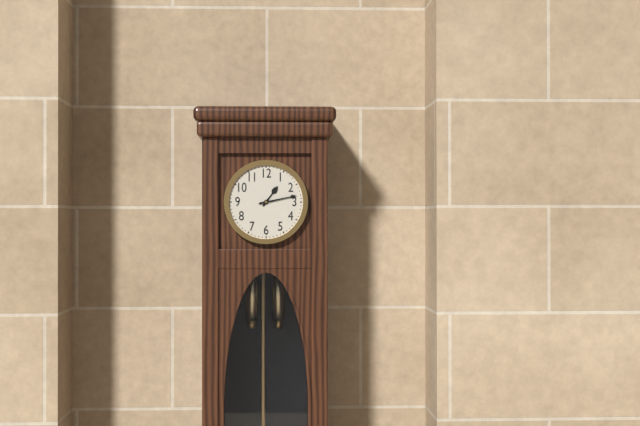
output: 1.13
